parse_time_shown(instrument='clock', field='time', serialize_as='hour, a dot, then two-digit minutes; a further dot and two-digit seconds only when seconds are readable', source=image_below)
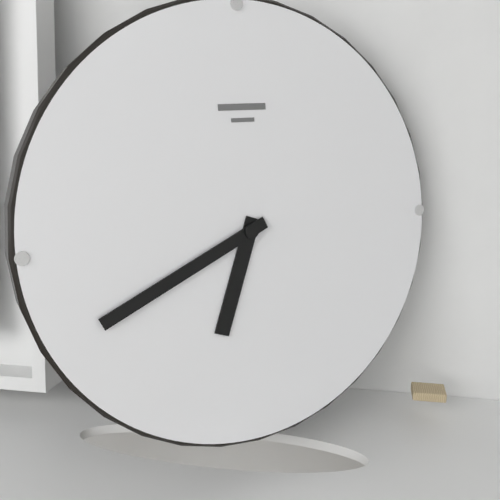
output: 6.41
